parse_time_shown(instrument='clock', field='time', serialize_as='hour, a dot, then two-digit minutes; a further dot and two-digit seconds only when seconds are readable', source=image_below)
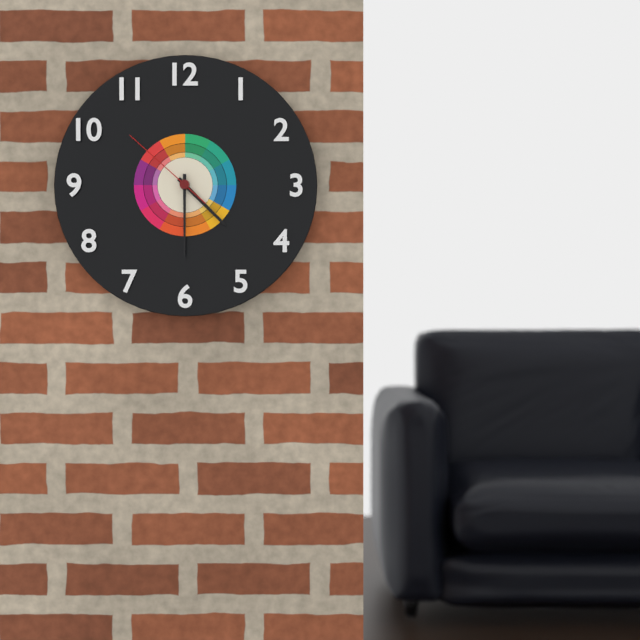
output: 4.30.52
